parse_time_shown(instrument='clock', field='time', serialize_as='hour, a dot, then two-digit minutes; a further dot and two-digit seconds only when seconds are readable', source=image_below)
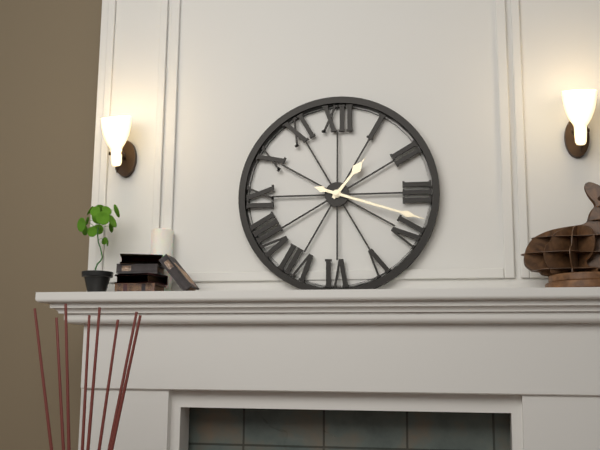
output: 1.18
